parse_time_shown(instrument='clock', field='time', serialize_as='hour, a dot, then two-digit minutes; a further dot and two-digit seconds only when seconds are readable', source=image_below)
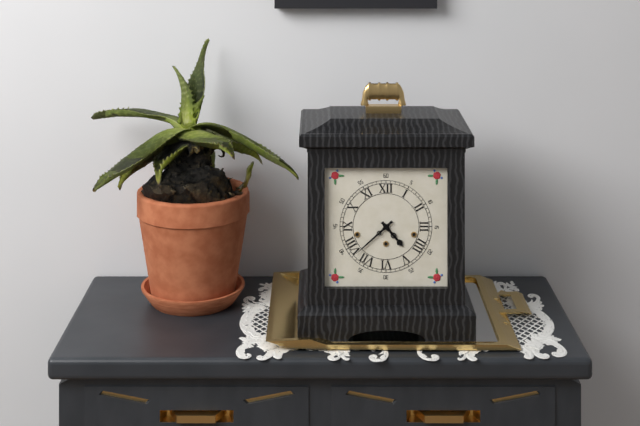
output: 4.38
